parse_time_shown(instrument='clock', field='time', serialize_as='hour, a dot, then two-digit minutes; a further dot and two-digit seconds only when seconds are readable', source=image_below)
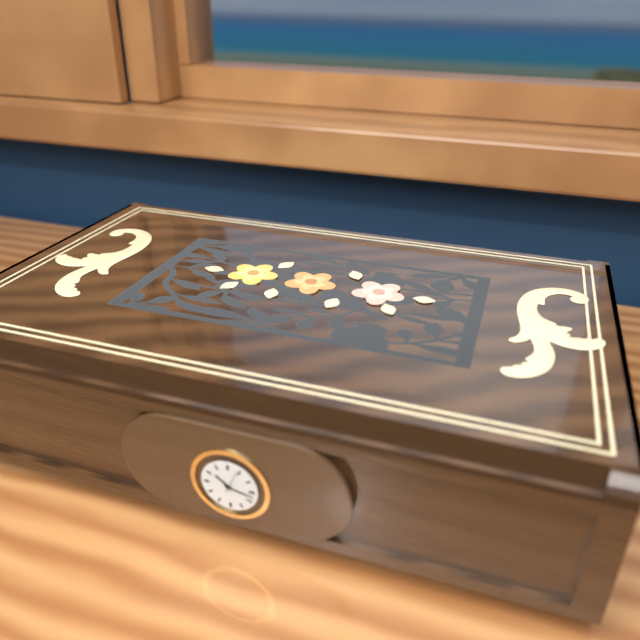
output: 10.17.04
